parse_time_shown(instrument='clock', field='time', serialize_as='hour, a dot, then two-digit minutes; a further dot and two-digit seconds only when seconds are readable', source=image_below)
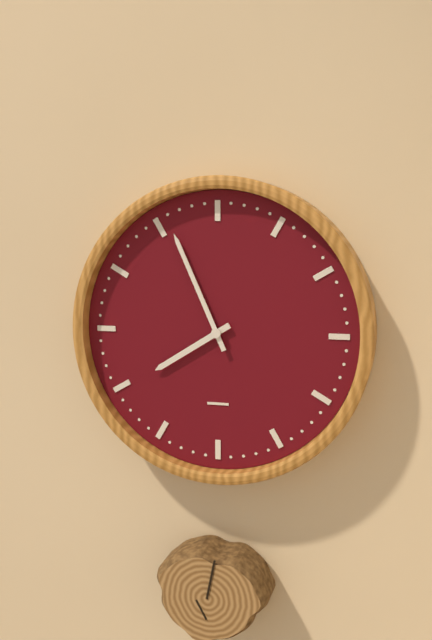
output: 7.56
